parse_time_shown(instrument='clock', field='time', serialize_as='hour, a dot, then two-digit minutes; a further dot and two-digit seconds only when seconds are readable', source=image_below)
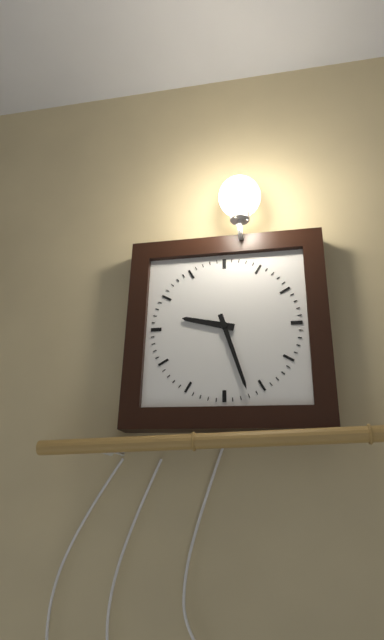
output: 9.27
